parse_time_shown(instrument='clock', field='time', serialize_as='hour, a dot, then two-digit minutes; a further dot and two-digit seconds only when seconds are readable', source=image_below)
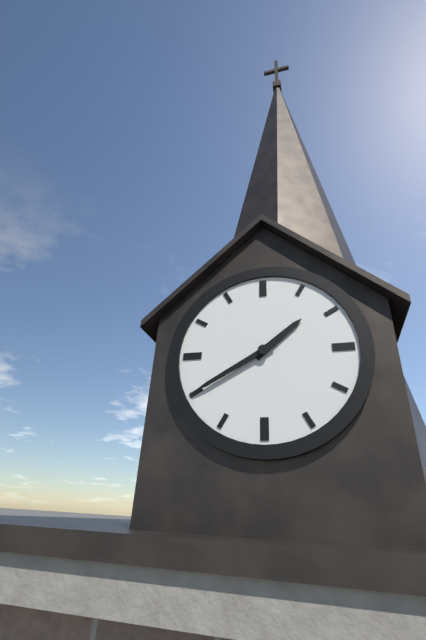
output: 1.40
